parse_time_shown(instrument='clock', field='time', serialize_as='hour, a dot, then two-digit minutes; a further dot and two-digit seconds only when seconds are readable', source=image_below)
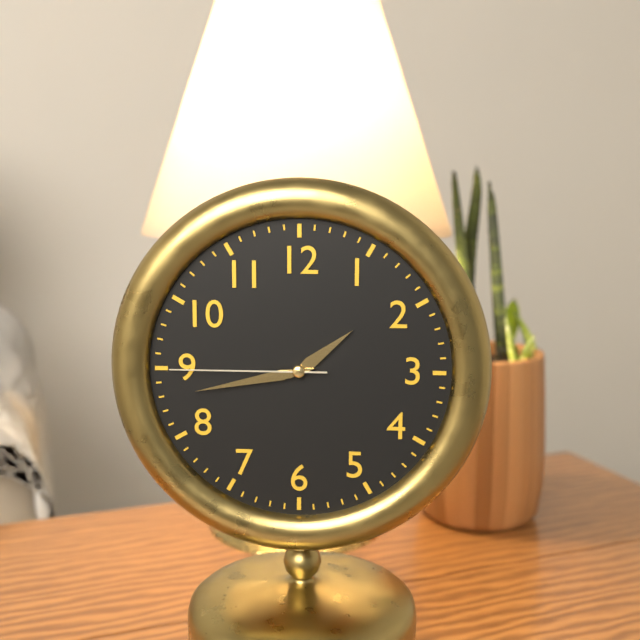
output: 1.43.45
